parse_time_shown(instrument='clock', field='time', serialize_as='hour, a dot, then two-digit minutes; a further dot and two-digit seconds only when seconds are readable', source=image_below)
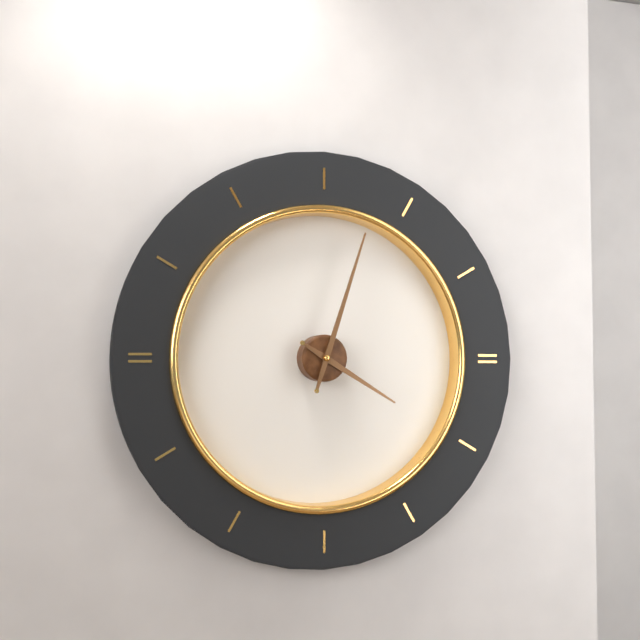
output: 4.03
